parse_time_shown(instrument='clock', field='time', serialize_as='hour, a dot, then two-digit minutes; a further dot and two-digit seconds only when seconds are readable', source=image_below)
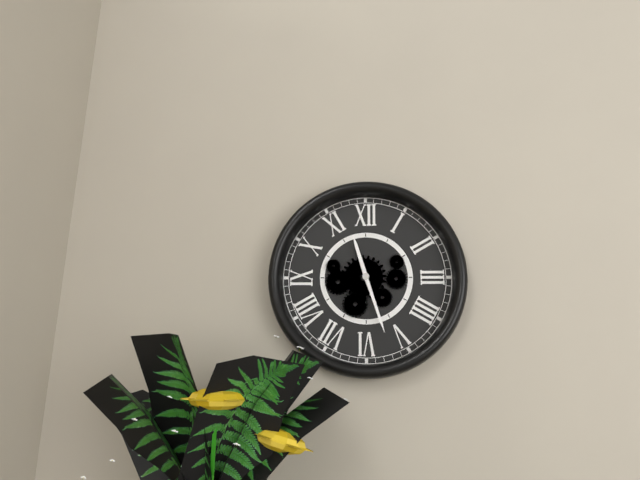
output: 11.27
